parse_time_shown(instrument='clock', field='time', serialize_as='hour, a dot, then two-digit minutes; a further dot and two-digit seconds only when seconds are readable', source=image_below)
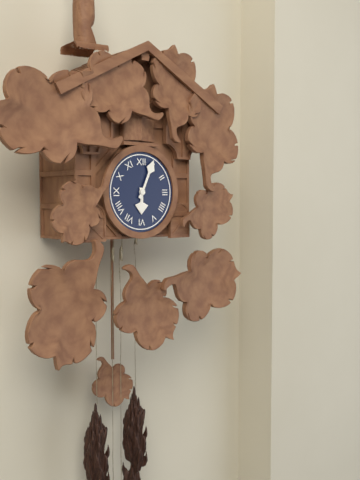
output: 6.04
